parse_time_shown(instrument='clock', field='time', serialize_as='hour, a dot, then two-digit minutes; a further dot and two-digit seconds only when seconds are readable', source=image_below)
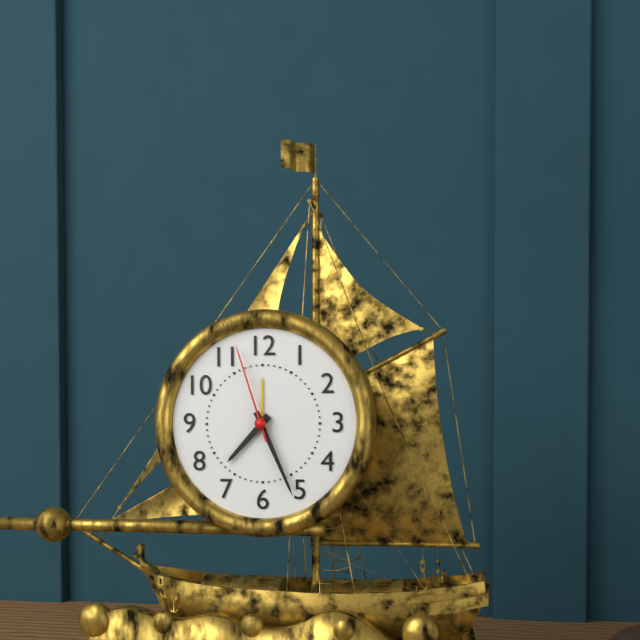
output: 7.26.57
